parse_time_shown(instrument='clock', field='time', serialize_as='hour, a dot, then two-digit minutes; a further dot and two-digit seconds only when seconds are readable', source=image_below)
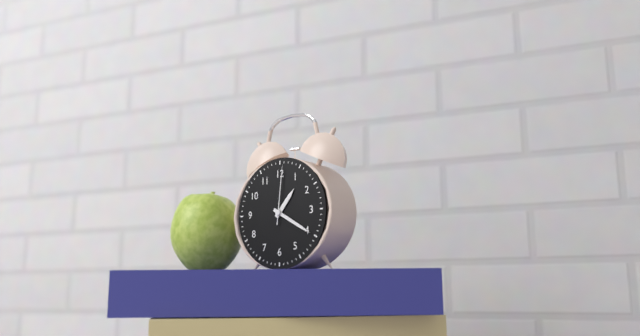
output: 1.20.01
